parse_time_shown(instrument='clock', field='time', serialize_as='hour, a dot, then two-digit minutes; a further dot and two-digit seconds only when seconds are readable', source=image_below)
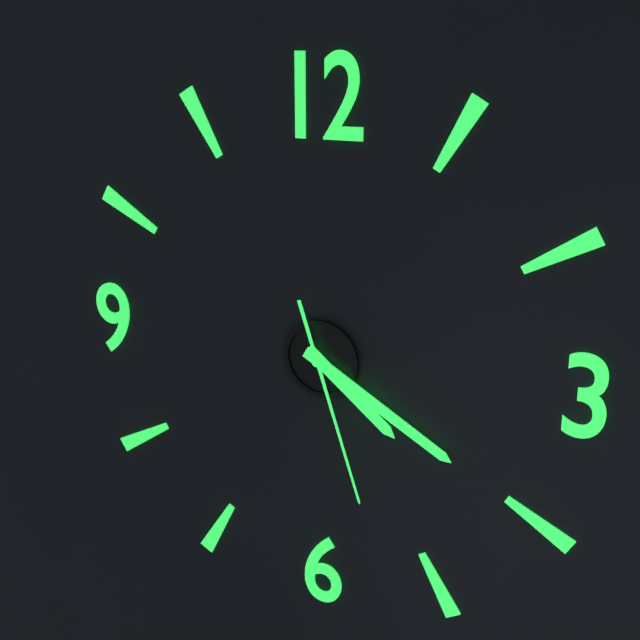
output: 4.20.27
